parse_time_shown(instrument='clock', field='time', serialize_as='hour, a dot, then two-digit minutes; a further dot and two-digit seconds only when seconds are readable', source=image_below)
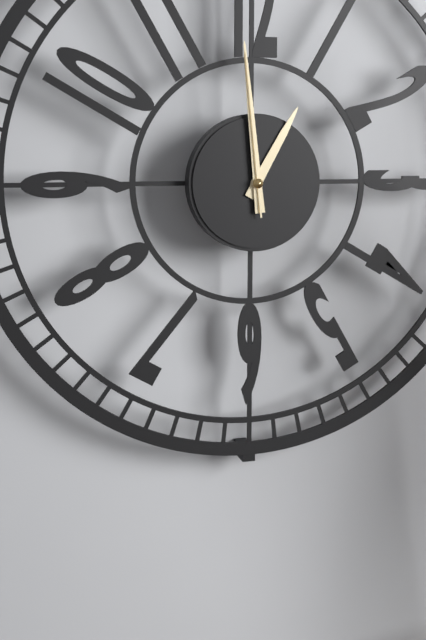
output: 12.59.59
